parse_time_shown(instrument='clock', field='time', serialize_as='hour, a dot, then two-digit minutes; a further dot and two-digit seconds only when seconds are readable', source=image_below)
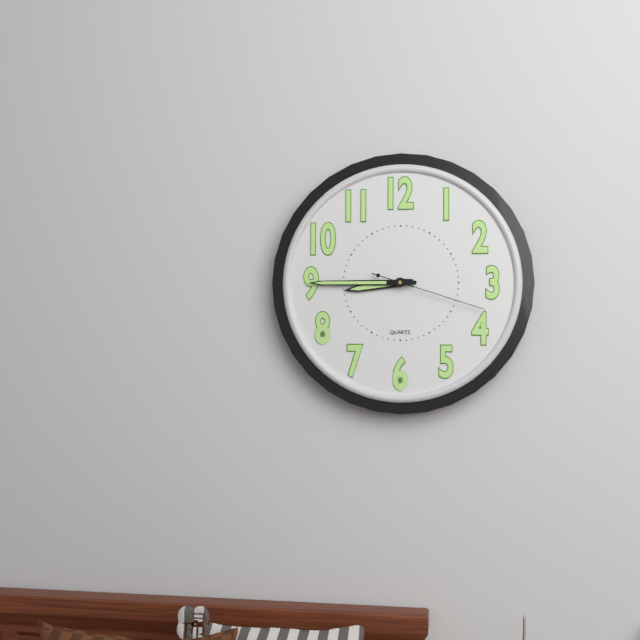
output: 8.45.18
